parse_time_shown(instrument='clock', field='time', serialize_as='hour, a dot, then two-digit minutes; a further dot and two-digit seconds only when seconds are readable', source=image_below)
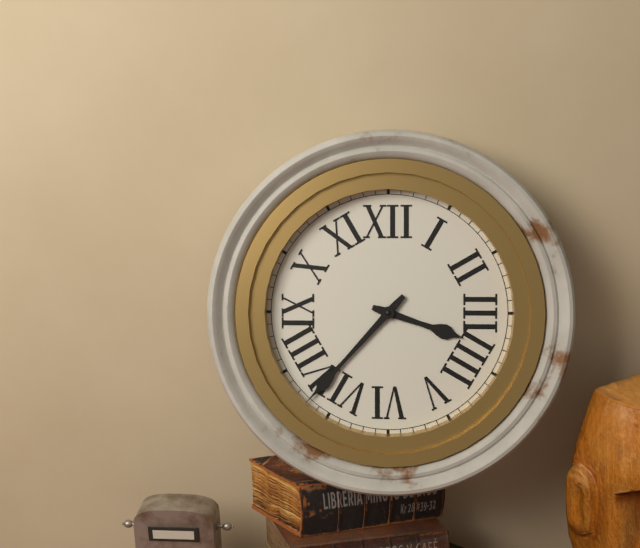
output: 3.37
